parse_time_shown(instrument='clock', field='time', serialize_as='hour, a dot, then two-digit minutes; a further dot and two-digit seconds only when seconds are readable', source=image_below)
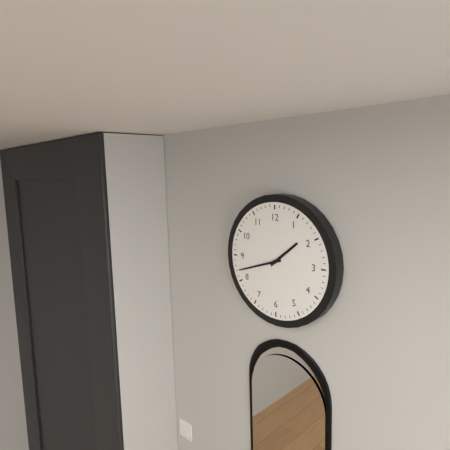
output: 1.42
